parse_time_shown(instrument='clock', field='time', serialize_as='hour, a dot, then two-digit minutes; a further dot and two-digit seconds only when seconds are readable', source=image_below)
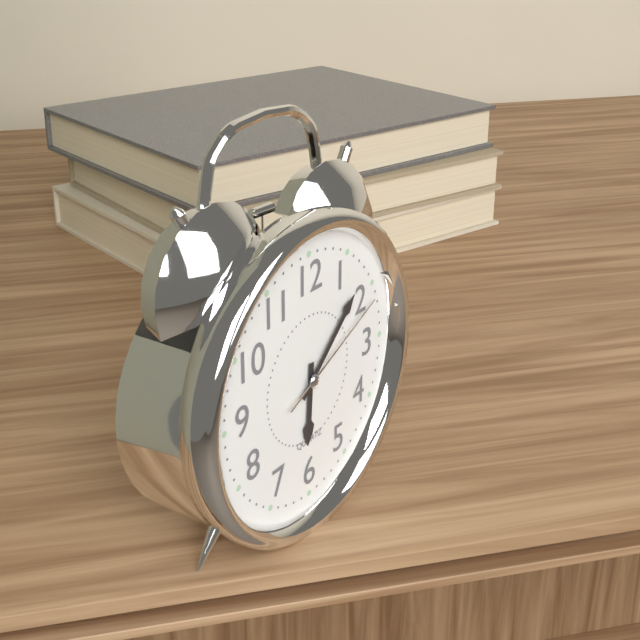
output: 6.08.11
